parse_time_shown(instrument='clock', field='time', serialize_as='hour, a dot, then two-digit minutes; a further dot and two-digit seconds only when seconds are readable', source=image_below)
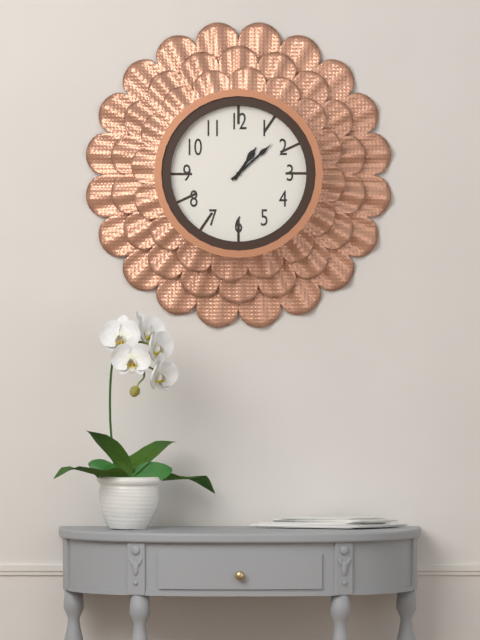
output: 1.08
